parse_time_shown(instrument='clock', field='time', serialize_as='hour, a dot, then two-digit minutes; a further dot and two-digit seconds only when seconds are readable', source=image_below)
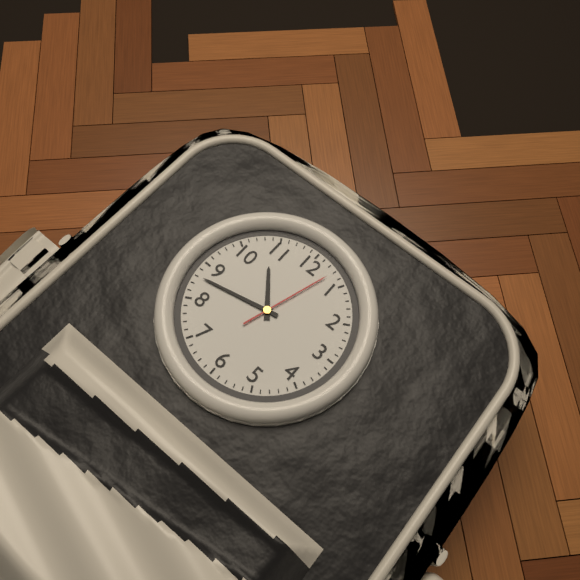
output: 10.43.03
